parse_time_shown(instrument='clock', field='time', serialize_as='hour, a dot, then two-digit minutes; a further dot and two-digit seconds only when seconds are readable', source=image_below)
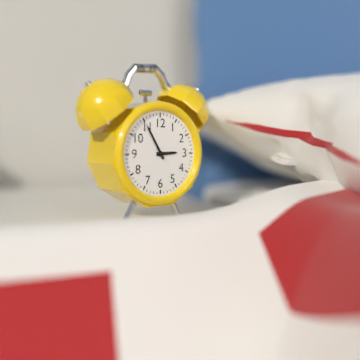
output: 2.55
